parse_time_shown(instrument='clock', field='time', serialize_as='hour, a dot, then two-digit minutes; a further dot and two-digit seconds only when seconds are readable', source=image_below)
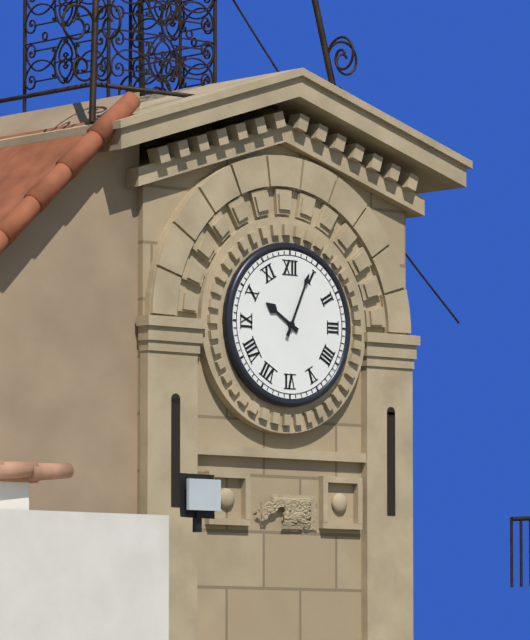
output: 10.04
